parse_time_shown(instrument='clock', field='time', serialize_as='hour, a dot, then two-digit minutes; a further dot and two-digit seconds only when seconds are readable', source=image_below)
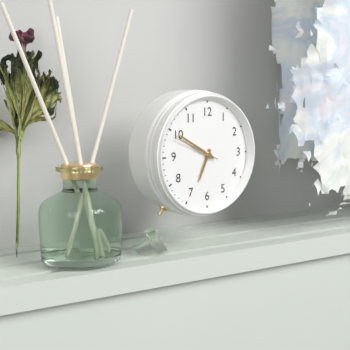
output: 6.50
